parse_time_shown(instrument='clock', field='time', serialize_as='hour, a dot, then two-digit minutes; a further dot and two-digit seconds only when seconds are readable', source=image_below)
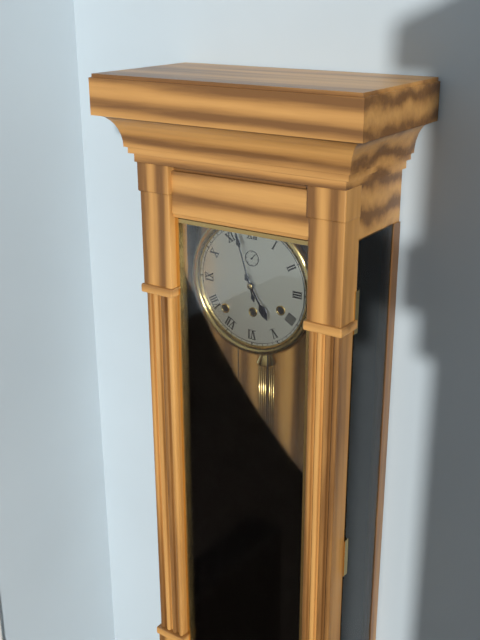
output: 4.57
